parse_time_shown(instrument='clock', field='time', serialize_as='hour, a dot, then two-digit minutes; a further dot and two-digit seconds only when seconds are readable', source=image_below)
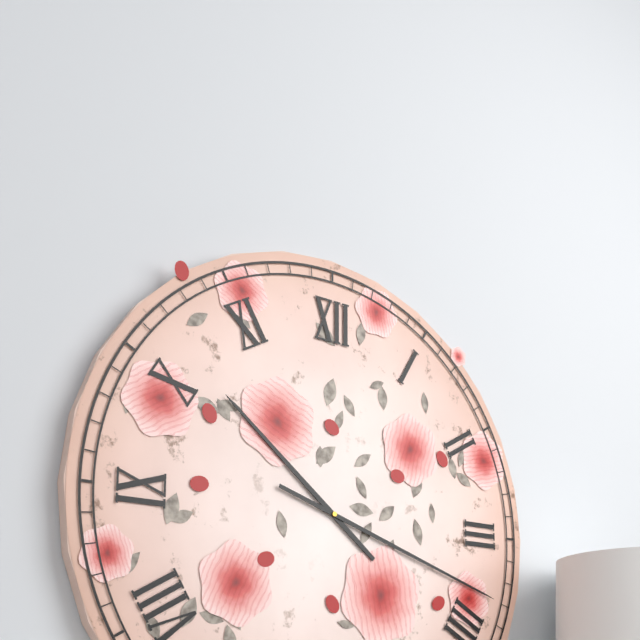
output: 10.18
